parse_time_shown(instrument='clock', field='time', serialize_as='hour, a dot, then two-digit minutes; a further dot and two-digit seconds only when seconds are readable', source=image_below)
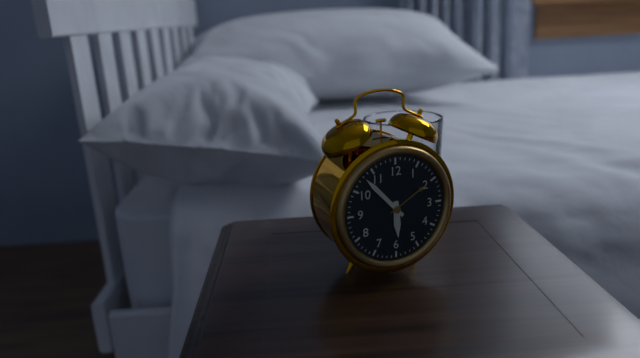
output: 5.53
